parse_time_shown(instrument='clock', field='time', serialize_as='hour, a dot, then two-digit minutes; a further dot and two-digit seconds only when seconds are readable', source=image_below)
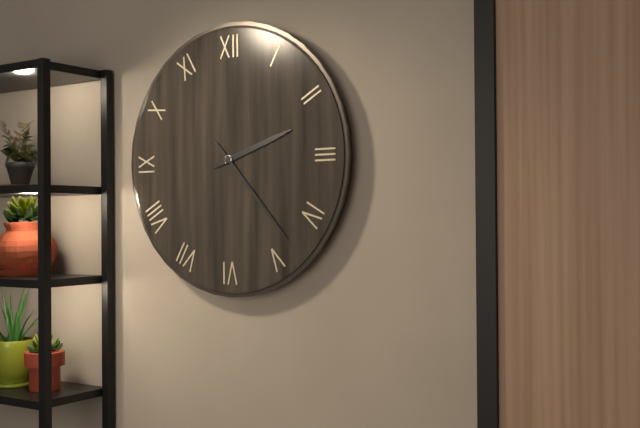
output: 2.23
